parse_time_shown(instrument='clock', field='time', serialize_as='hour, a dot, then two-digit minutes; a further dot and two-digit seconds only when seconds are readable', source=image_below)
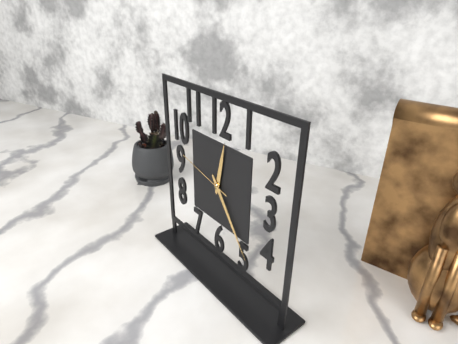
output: 12.24.47
